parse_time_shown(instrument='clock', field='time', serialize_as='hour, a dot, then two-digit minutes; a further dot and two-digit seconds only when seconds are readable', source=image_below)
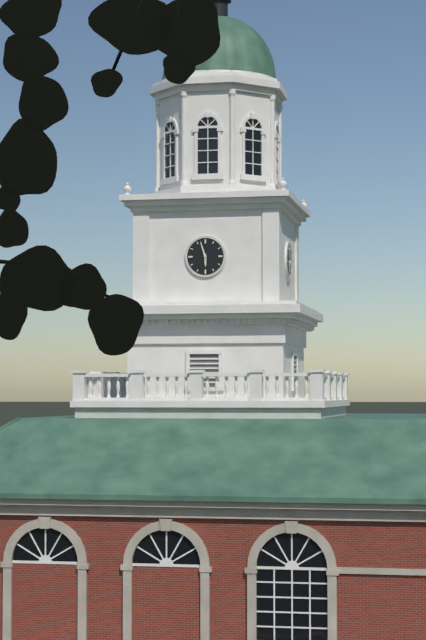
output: 5.57
